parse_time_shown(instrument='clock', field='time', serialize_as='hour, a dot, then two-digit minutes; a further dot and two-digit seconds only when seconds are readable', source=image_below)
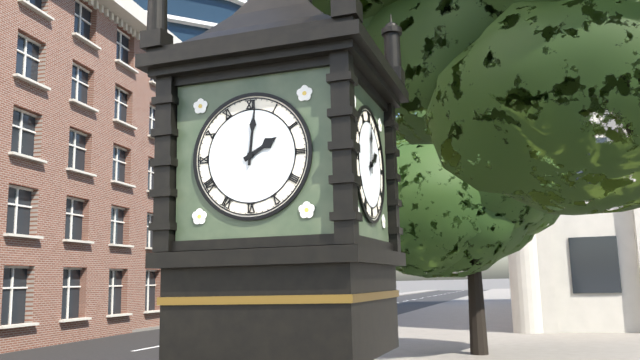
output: 2.01
